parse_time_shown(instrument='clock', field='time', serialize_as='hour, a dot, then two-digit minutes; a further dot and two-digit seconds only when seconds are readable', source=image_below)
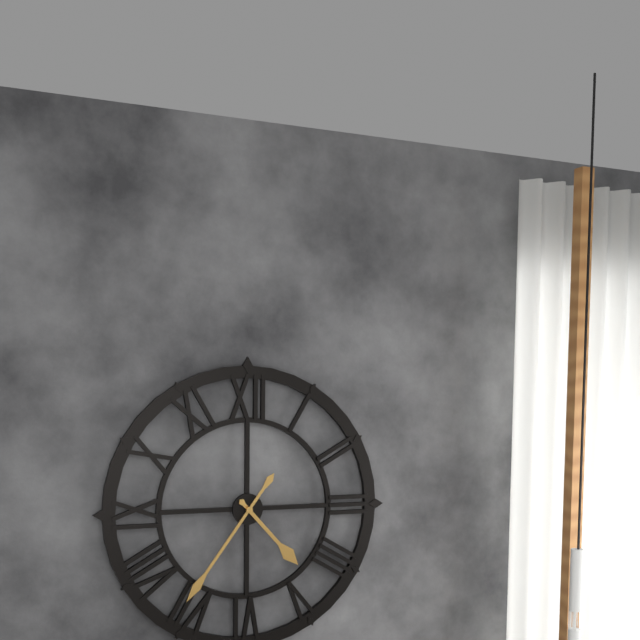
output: 4.36
